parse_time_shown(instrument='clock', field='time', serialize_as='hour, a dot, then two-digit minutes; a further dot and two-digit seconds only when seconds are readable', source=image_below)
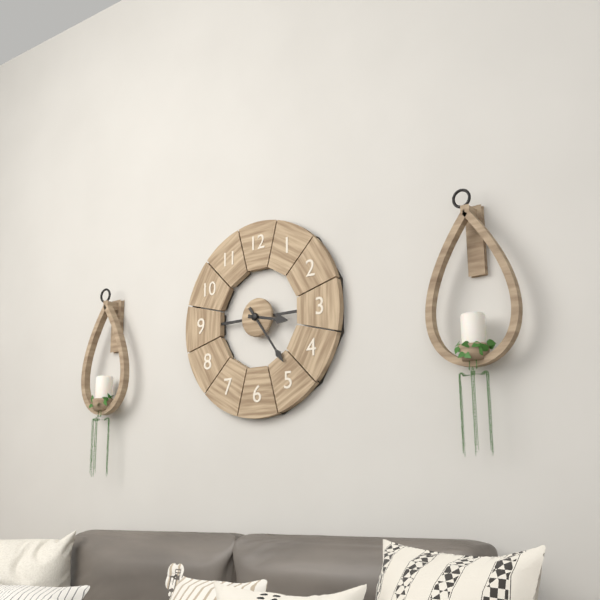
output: 3.24
